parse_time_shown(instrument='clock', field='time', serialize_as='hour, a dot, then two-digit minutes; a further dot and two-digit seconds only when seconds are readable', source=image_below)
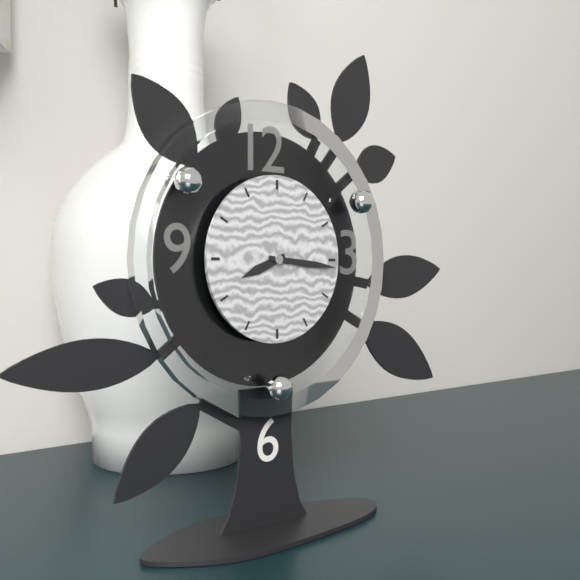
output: 8.16
